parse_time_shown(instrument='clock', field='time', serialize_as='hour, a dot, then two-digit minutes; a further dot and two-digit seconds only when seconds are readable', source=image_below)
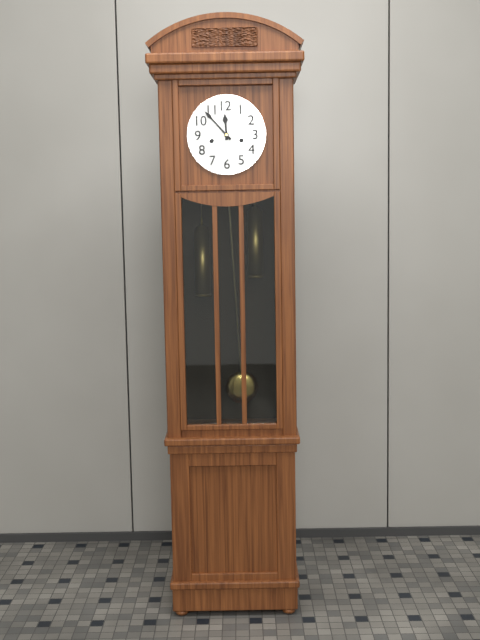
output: 11.53
